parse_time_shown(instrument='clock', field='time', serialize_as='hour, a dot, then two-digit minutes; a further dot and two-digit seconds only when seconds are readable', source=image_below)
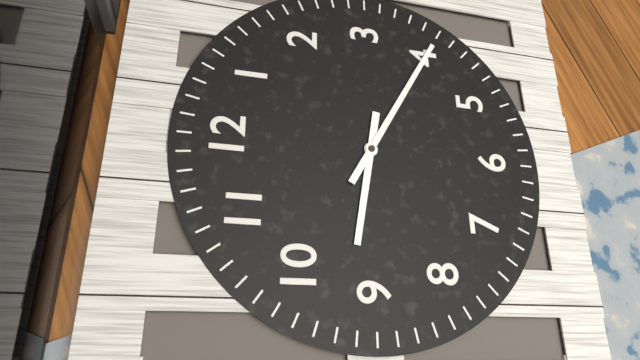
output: 9.20
